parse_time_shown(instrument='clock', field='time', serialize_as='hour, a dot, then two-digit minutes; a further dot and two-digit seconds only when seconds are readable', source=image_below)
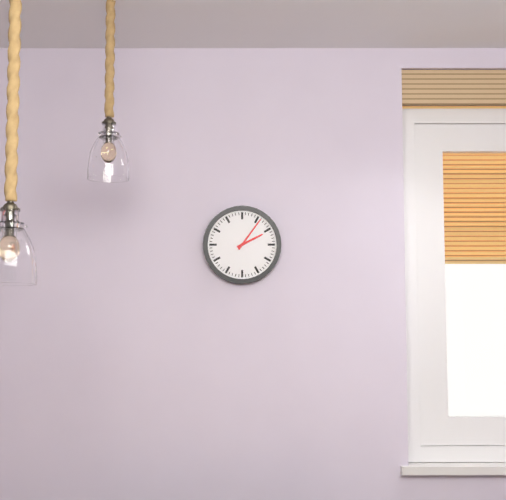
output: 2.06
